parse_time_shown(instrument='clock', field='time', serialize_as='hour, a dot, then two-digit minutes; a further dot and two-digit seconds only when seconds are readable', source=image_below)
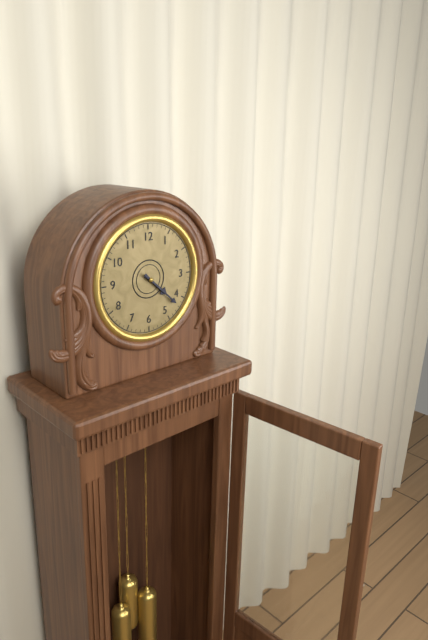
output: 4.22
